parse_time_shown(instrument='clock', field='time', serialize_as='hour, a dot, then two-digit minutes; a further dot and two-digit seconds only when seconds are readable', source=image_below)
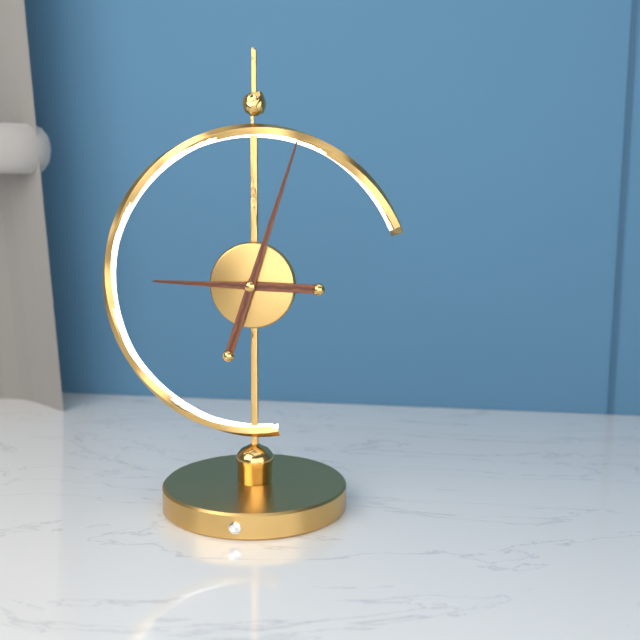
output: 9.03
